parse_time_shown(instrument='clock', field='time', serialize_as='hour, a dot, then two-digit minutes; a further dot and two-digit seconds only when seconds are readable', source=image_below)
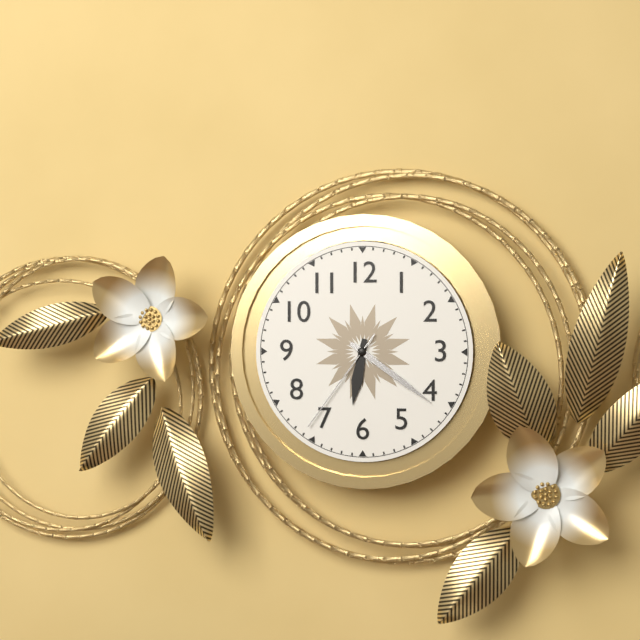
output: 6.21.36
